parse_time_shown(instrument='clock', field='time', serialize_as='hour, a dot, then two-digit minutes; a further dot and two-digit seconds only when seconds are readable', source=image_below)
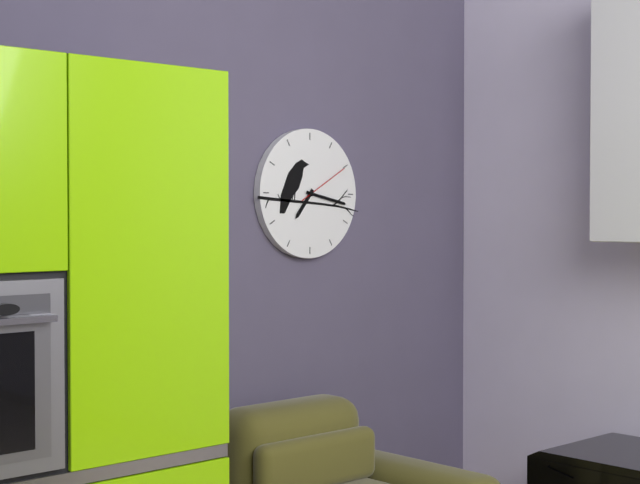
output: 7.17.10
